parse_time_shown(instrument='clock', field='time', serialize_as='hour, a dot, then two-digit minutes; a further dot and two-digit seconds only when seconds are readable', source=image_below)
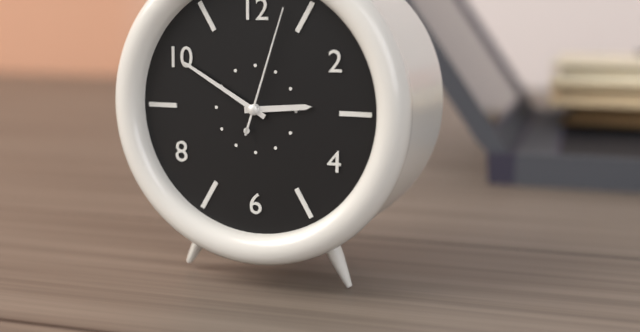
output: 2.50.03
